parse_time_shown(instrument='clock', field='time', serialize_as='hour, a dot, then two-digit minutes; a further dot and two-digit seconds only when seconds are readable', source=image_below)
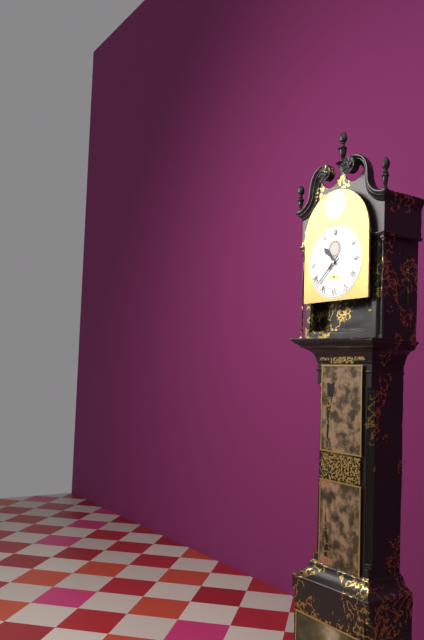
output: 10.38
